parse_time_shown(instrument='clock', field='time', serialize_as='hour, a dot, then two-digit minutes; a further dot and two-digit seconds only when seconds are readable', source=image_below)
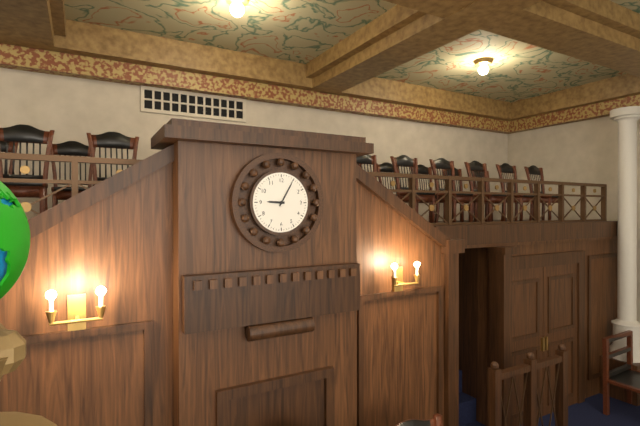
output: 9.05
